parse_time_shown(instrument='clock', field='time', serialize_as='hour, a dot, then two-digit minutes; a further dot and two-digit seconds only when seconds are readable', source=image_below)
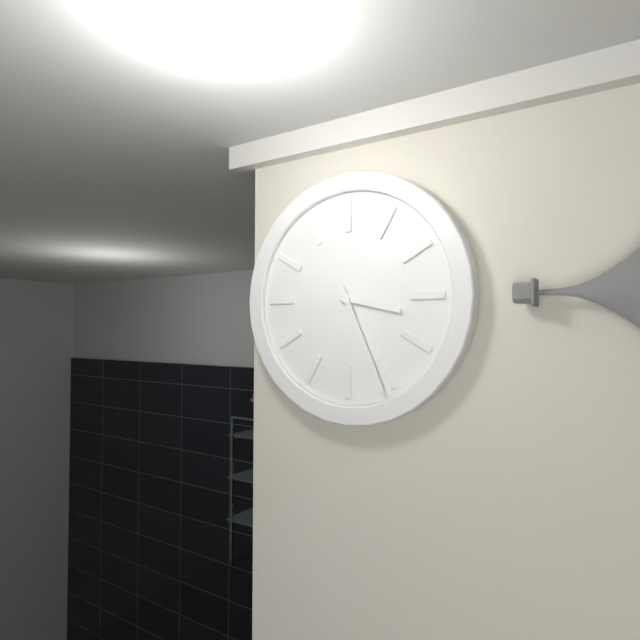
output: 3.26
